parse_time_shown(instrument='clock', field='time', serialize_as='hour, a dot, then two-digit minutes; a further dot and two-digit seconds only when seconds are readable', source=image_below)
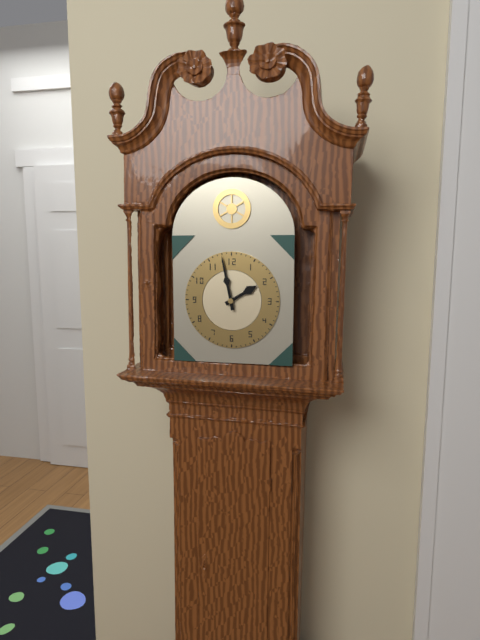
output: 1.58
